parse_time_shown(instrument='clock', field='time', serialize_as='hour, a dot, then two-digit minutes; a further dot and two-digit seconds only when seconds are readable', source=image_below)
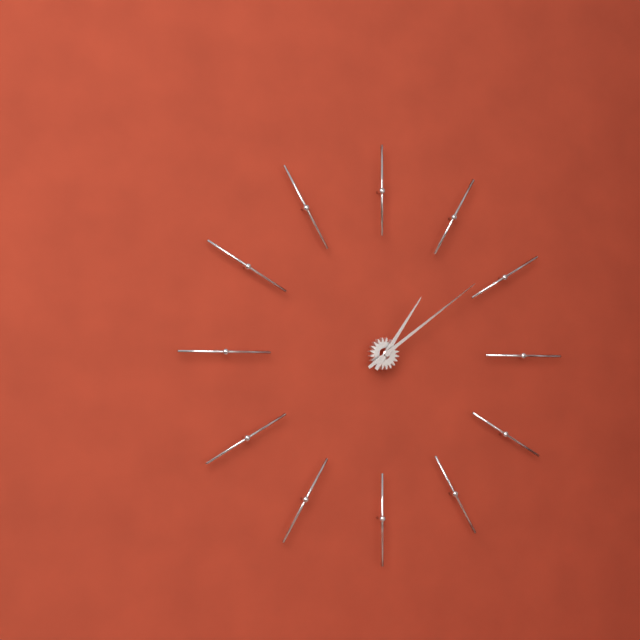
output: 1.09
